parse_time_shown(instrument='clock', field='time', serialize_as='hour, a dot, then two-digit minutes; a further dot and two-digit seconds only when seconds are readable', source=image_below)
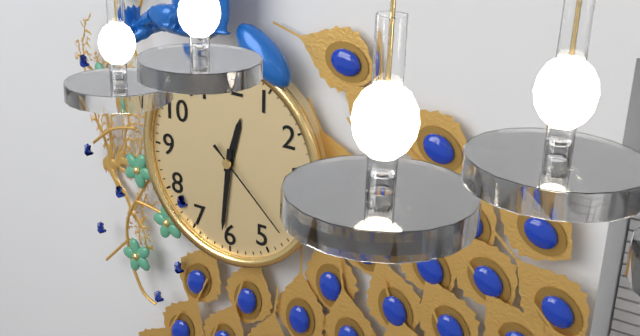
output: 12.31.22
